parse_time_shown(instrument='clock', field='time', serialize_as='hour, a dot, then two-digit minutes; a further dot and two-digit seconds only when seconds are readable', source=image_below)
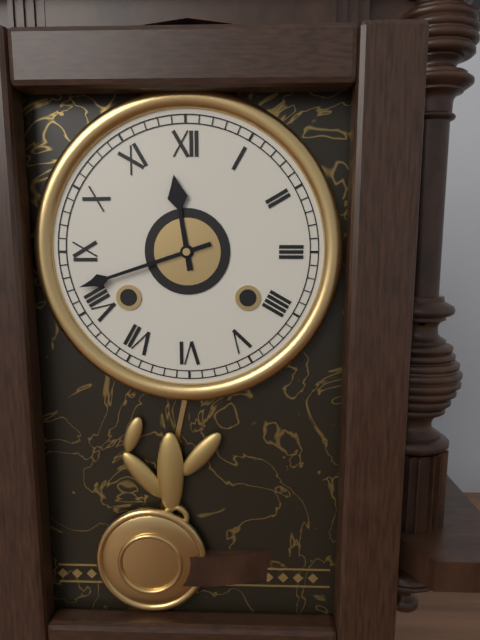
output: 11.42
